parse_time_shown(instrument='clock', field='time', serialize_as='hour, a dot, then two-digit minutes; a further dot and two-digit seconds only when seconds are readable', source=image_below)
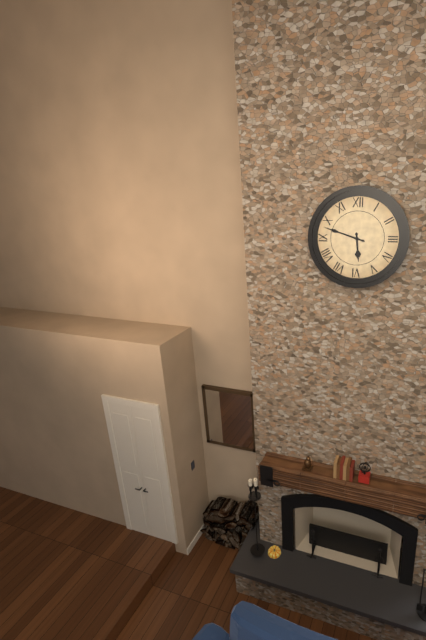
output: 5.48
